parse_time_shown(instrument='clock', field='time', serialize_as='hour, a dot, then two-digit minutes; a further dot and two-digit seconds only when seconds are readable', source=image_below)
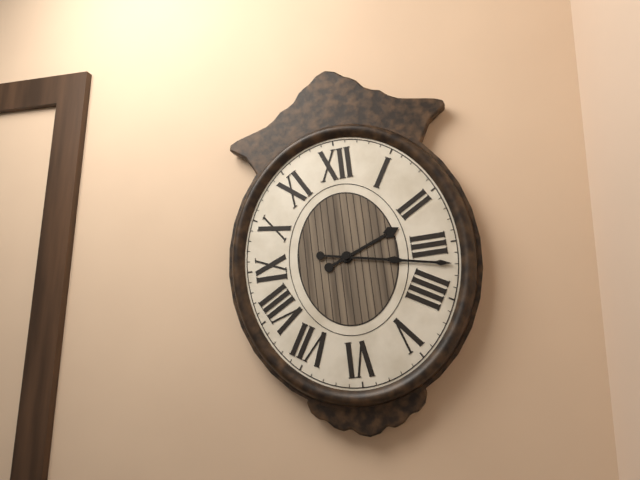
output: 2.17
